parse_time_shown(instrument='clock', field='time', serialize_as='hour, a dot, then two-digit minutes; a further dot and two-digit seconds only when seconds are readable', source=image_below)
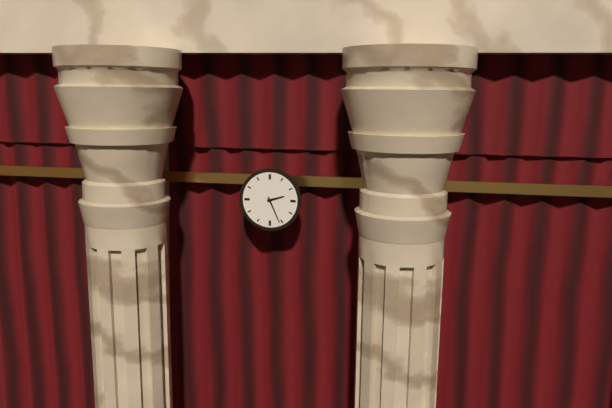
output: 2.26
